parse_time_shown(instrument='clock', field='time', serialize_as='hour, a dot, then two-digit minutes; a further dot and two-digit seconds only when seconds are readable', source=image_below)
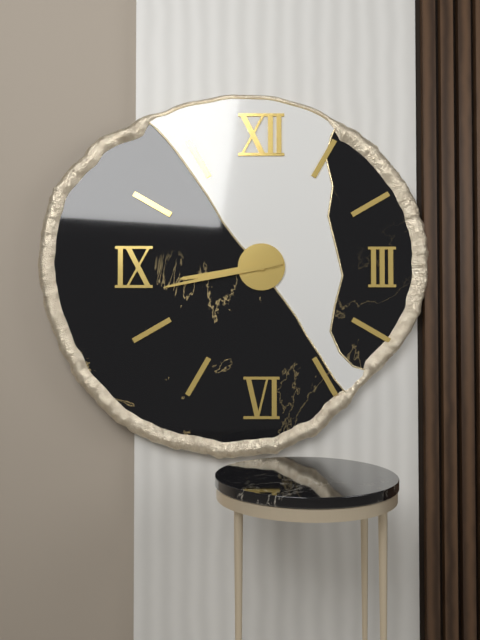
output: 8.43
